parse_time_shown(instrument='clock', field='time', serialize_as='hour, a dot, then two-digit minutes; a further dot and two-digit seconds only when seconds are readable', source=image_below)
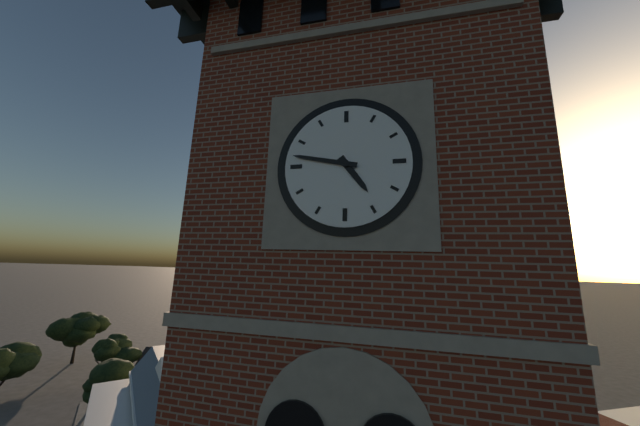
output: 4.47
